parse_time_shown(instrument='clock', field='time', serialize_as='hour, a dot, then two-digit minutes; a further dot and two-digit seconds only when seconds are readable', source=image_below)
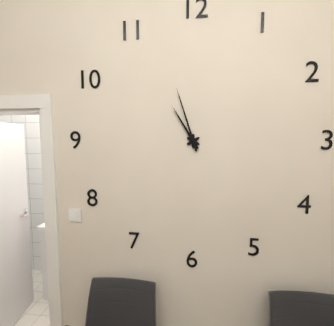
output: 10.57
